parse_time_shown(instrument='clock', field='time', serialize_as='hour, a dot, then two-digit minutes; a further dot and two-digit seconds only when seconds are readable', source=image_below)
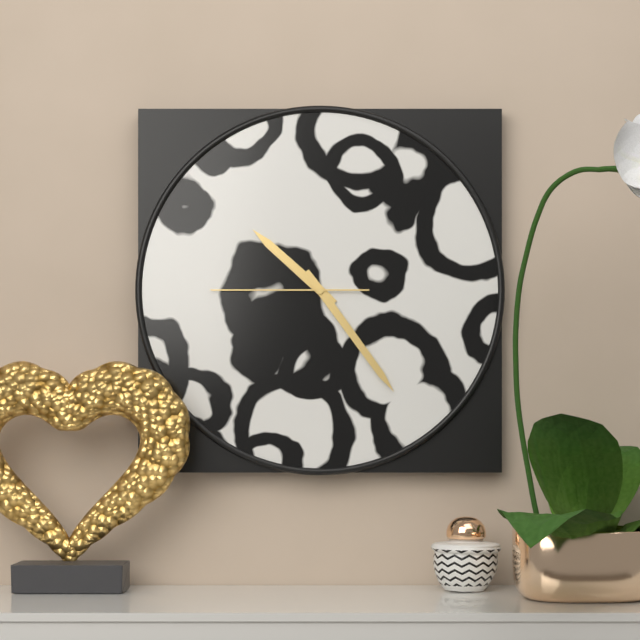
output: 10.24.45
